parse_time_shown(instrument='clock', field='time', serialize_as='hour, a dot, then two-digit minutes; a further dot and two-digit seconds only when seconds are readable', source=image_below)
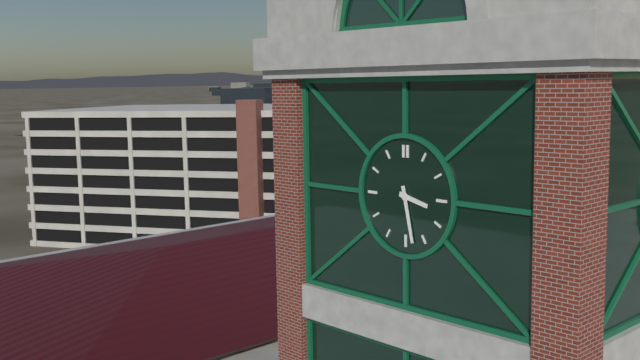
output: 3.28
